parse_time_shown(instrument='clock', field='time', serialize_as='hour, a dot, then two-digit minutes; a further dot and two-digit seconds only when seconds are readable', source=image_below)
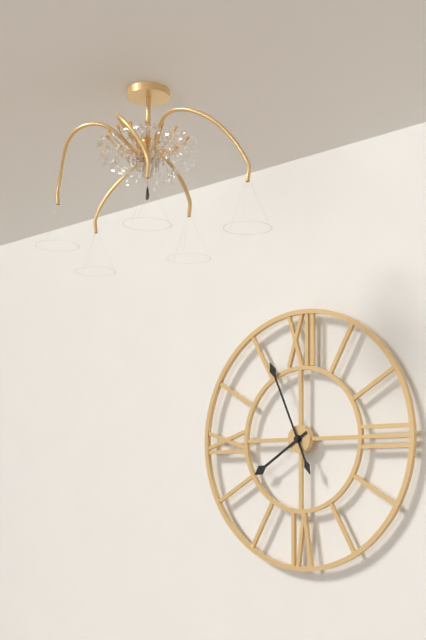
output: 7.56
